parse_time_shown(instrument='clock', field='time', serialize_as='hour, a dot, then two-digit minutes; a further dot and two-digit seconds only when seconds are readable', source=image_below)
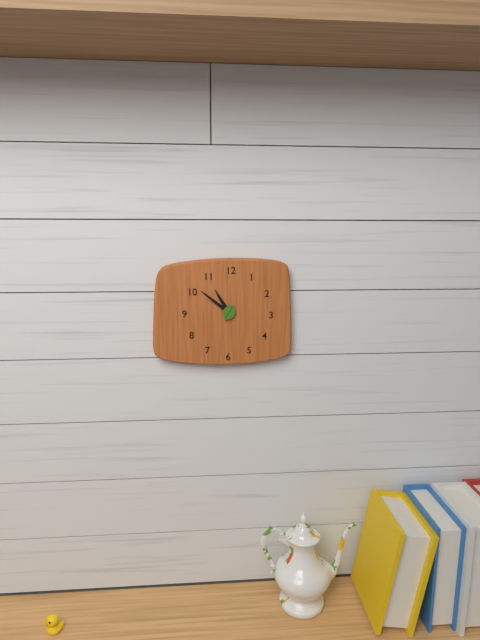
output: 10.51
